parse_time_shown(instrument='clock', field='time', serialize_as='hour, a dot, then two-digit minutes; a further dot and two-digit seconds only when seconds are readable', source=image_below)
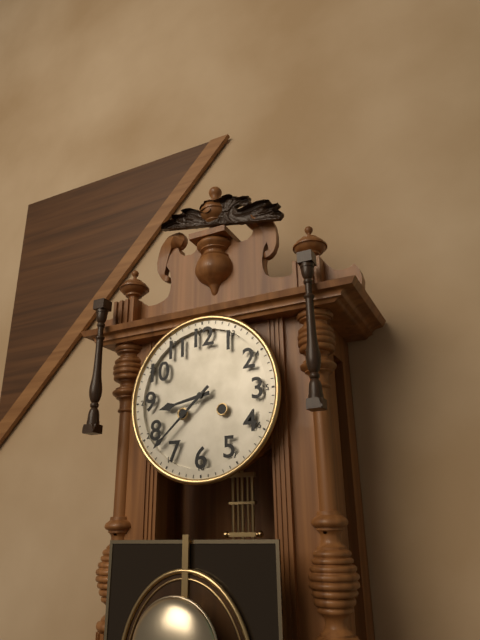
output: 8.38
